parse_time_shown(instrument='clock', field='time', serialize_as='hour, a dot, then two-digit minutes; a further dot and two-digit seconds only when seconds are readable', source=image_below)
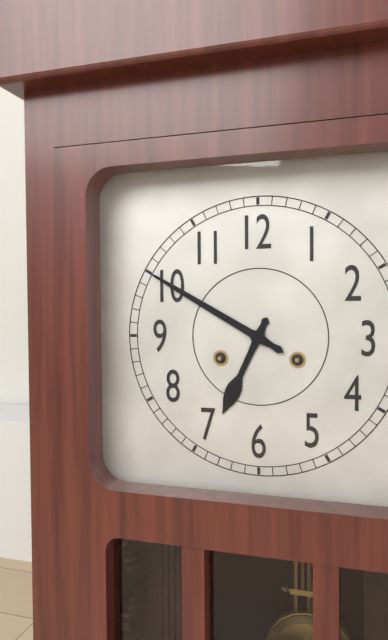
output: 6.50
